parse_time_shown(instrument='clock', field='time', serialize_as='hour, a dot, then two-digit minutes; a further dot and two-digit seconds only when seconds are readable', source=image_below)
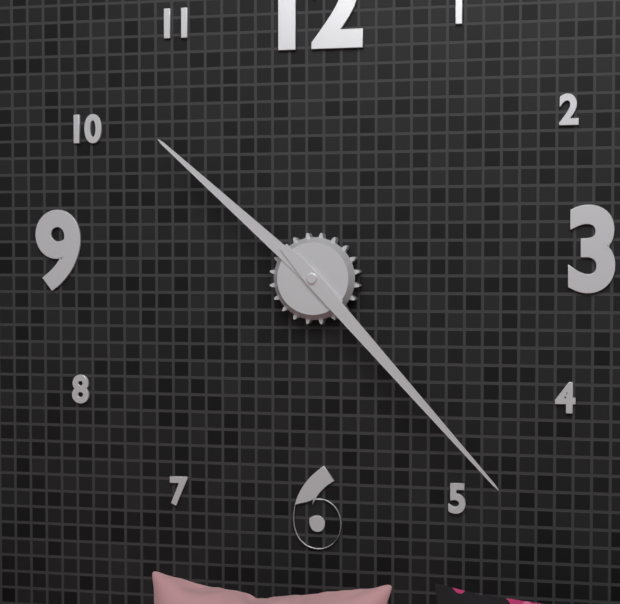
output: 10.23
